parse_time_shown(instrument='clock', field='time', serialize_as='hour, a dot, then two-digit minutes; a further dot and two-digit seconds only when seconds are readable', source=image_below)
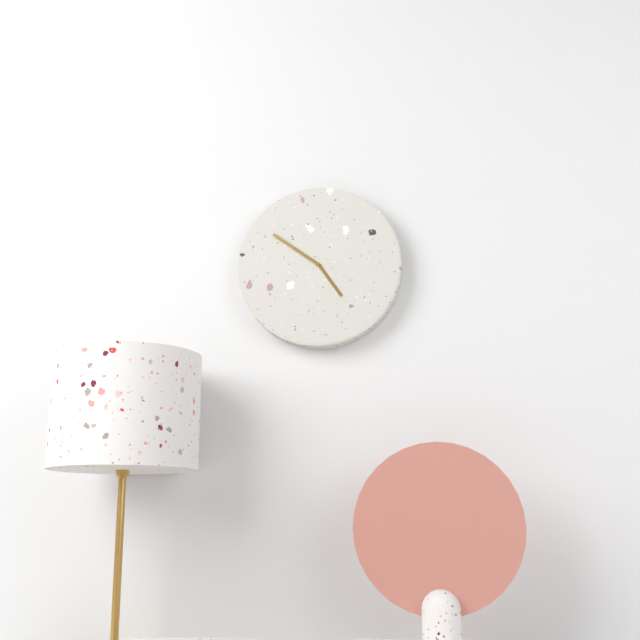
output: 4.51
